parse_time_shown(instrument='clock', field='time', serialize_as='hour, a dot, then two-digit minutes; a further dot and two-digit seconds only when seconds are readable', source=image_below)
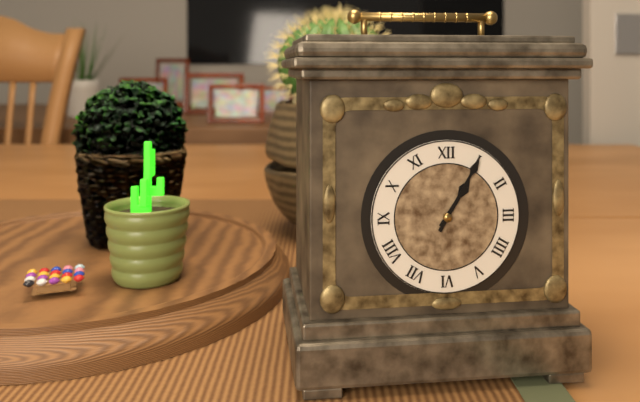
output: 1.05
